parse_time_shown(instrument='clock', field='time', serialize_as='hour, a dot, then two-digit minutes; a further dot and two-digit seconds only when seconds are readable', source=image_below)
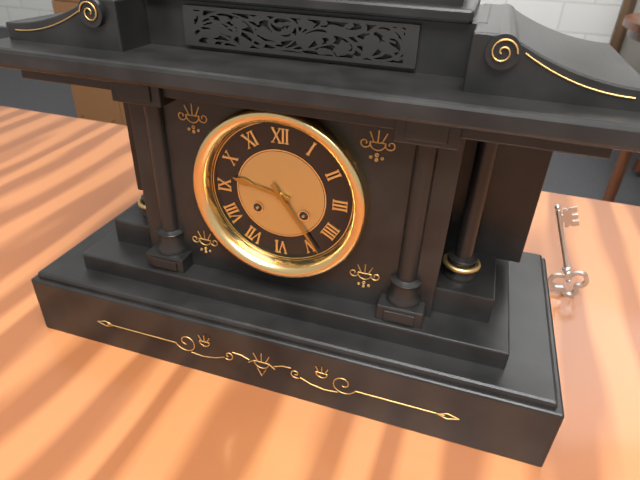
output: 9.24
